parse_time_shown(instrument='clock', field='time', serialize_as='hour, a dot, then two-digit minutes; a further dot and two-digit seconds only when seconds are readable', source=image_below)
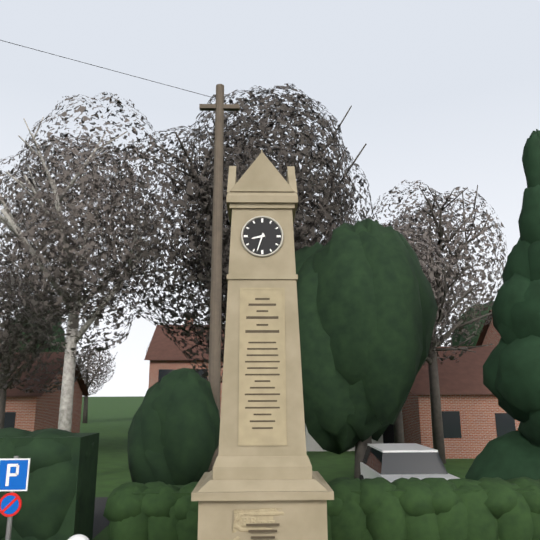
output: 8.33
